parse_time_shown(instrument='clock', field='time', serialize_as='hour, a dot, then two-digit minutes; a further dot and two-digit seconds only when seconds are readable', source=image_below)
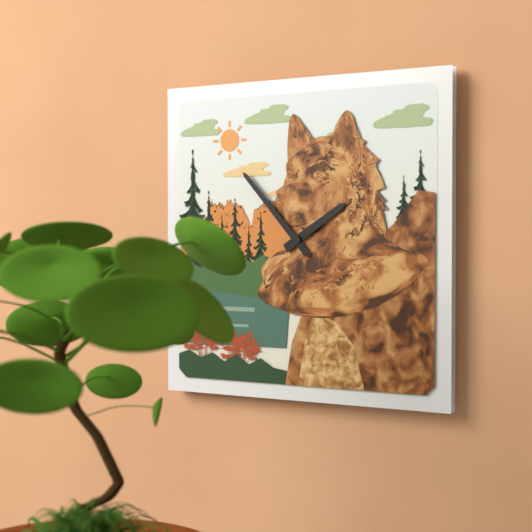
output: 1.53
